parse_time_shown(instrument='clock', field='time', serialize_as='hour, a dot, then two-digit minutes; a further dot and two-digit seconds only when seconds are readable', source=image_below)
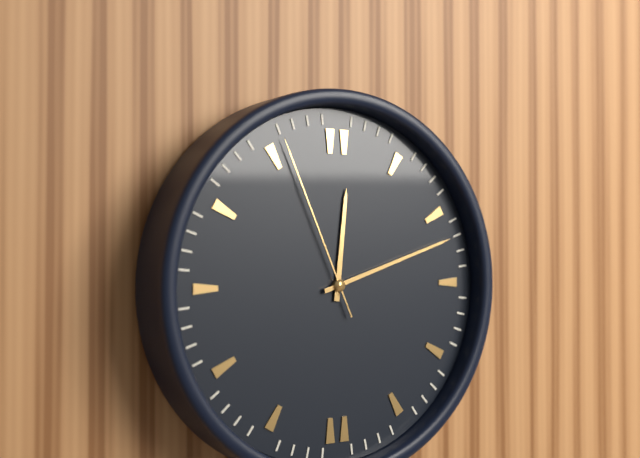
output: 12.12.56
